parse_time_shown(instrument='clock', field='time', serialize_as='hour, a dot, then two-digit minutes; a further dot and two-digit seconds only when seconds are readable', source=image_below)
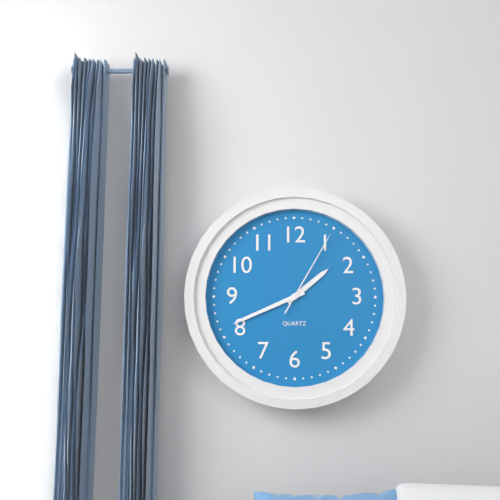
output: 1.41.05
